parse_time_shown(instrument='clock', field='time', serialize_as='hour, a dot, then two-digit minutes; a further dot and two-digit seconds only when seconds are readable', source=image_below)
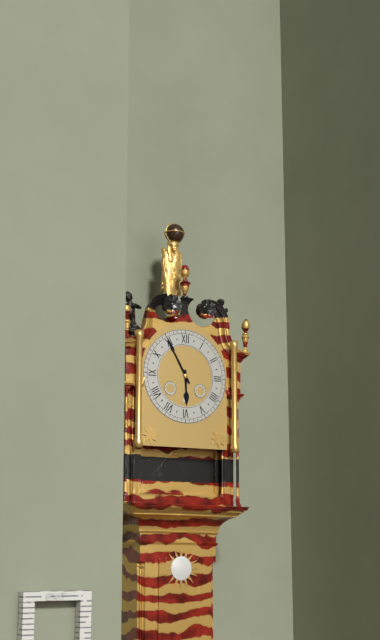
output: 5.55
